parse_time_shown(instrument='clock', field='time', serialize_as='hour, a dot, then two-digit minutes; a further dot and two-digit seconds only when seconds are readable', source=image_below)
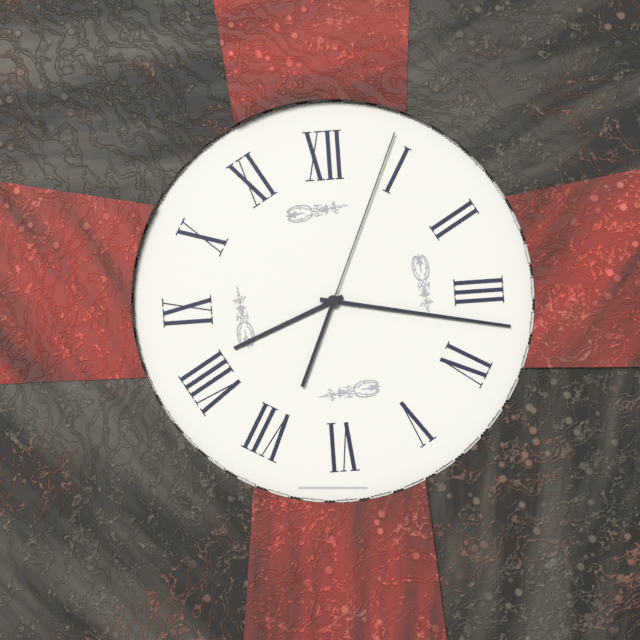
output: 8.17.04
